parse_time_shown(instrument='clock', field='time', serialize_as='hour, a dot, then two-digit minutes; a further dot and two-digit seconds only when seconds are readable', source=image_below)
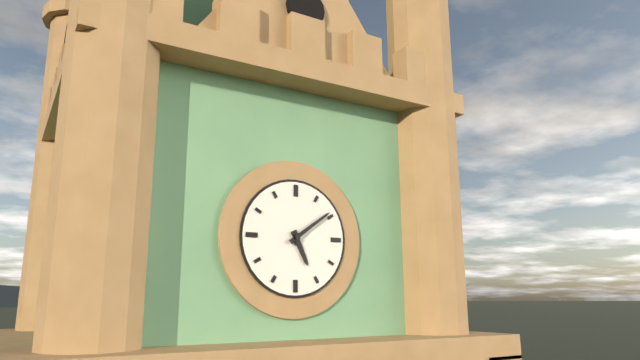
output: 5.09
